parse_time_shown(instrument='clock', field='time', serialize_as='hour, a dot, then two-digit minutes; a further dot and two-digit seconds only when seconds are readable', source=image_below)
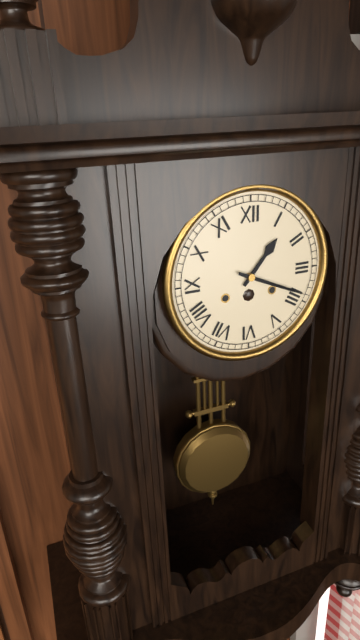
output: 1.19
